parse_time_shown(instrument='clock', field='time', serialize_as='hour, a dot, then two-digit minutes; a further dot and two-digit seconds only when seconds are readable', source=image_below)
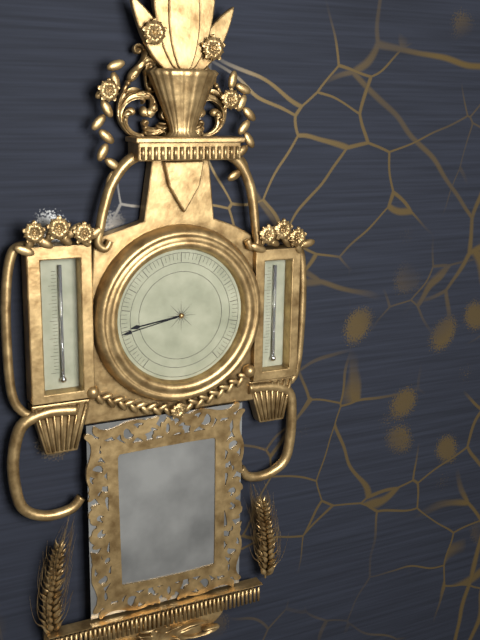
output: 8.43
